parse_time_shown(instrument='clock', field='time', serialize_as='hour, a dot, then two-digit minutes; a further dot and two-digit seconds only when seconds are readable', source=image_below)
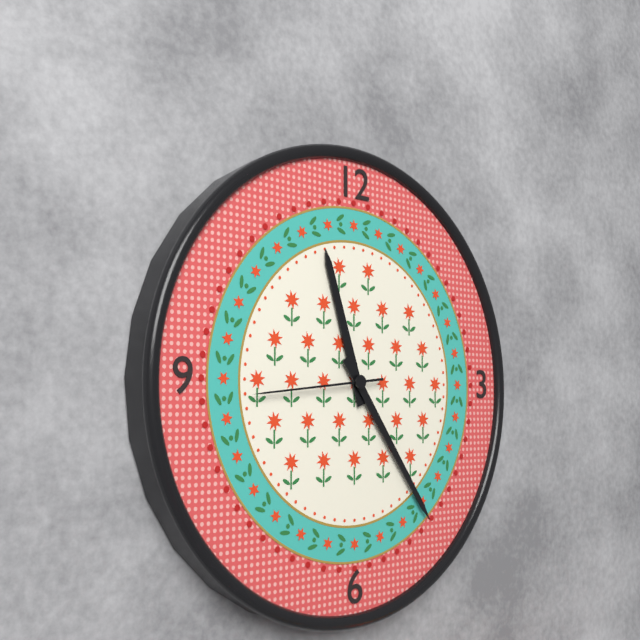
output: 11.24.44
